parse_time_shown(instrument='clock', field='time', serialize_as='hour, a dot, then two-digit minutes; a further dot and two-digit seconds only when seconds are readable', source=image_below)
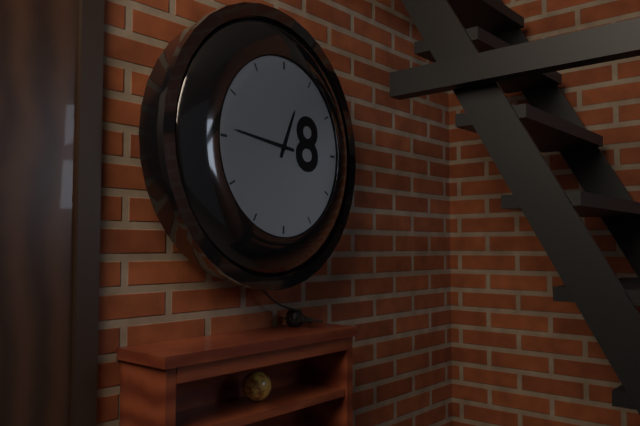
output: 12.46
